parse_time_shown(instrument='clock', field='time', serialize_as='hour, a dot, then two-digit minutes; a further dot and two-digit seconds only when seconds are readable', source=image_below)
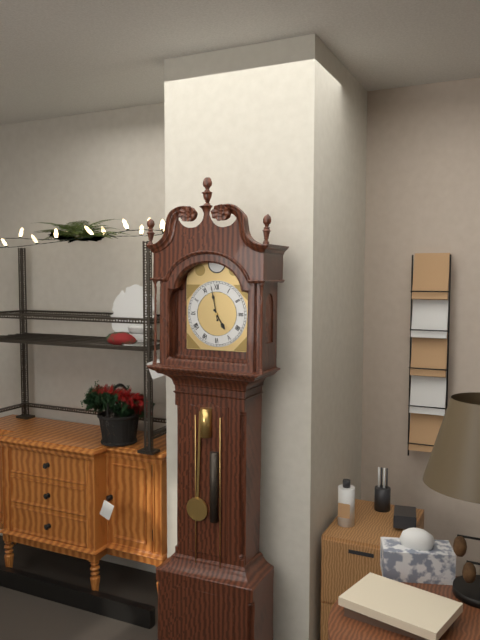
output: 4.58
